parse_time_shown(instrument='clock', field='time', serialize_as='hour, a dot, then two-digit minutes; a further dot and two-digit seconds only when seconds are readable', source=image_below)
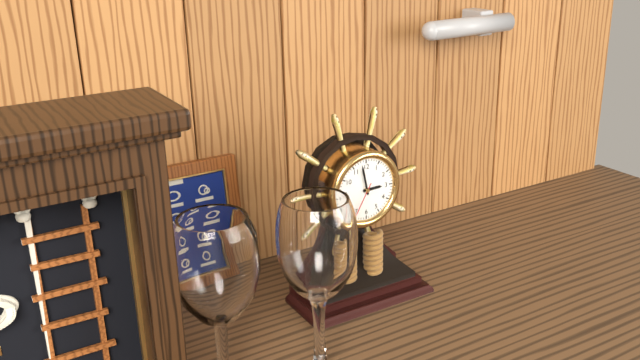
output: 2.58
